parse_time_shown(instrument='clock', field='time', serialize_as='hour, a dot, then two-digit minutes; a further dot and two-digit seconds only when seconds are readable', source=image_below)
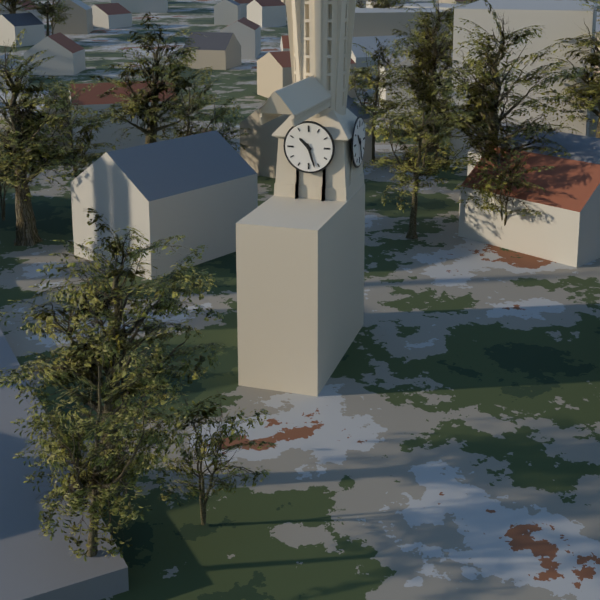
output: 10.27
